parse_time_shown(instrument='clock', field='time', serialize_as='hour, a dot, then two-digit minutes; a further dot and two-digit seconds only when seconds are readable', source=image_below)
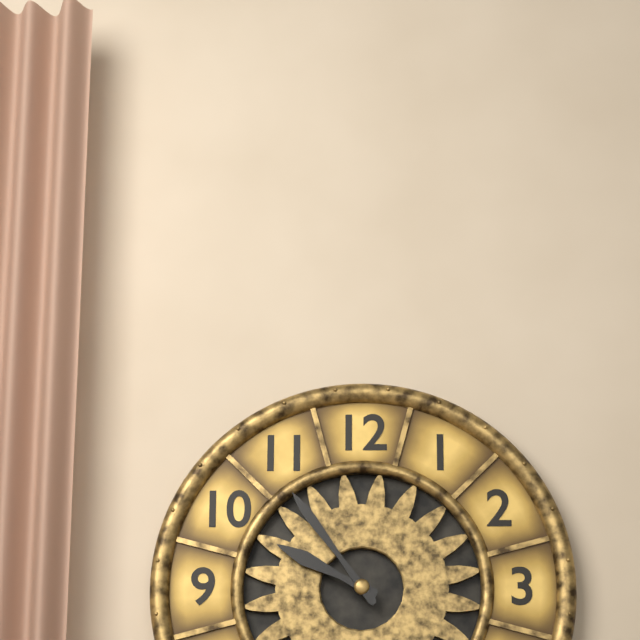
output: 9.54
